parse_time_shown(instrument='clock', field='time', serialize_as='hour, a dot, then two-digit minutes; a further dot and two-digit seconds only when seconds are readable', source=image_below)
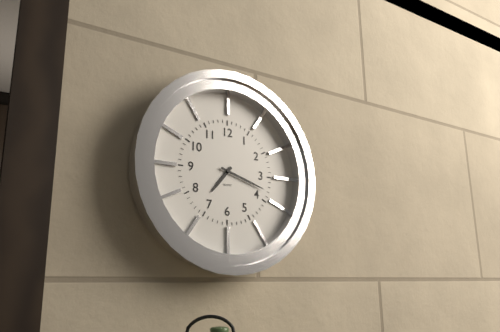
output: 7.18
